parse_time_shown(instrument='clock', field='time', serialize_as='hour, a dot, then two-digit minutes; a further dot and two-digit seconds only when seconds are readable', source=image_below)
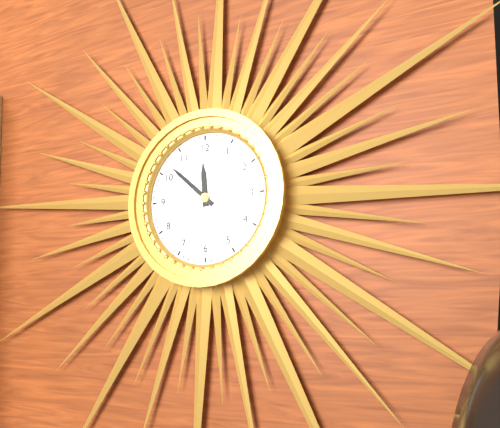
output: 11.52
